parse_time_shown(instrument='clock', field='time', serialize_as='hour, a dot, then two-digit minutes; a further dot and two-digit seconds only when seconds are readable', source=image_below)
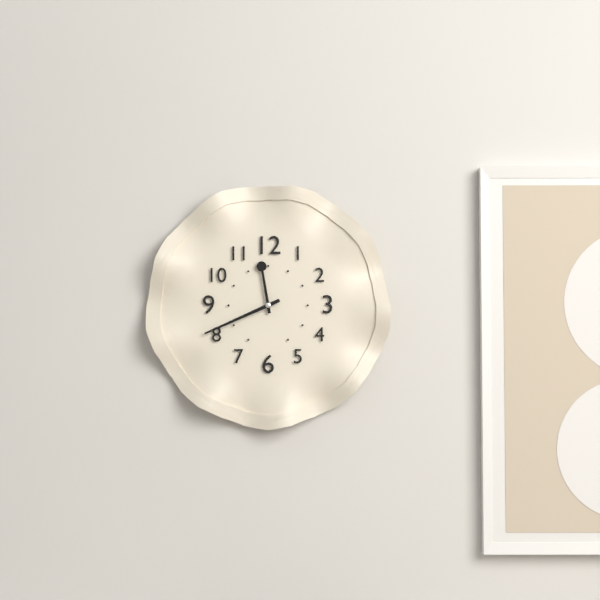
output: 11.41
